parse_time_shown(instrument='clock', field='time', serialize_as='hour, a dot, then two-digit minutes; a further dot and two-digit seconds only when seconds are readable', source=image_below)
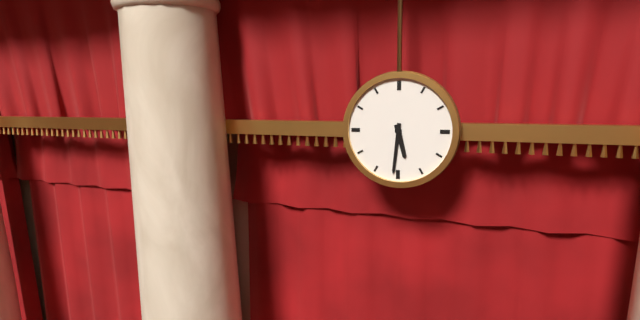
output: 5.31
